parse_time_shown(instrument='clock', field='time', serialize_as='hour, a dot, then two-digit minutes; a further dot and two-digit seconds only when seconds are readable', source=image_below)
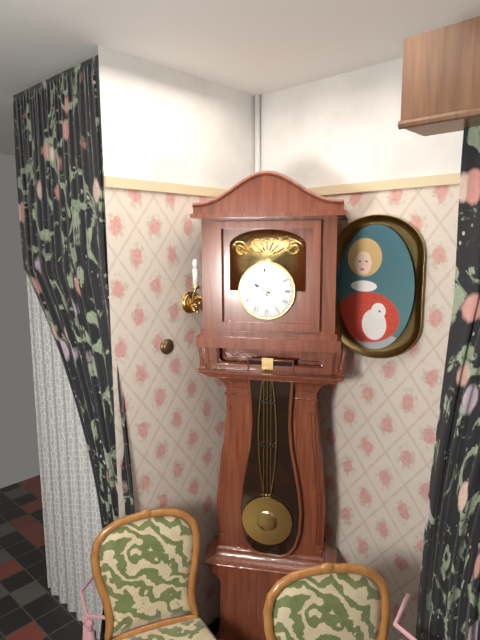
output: 9.59
